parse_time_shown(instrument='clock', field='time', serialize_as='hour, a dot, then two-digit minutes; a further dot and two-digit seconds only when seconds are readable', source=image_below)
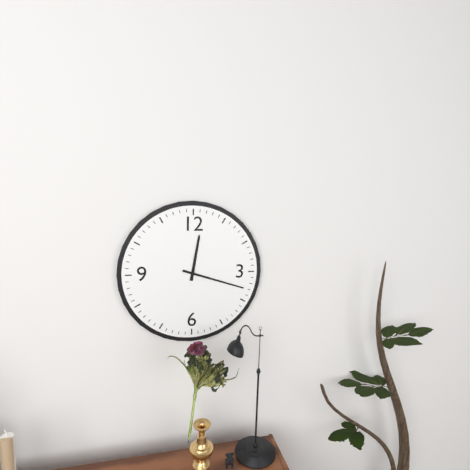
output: 12.18
